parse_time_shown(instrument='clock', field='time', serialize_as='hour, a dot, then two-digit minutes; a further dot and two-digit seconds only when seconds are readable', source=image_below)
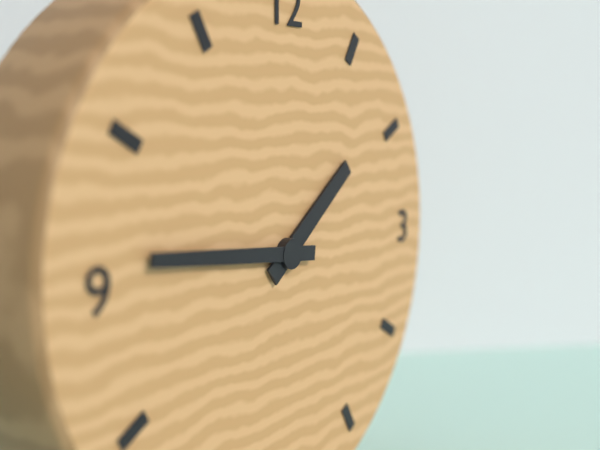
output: 1.46
